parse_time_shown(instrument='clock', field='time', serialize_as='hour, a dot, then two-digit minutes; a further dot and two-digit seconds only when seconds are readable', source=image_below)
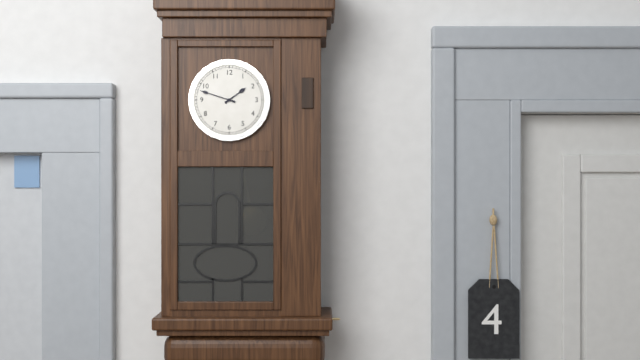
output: 1.48
